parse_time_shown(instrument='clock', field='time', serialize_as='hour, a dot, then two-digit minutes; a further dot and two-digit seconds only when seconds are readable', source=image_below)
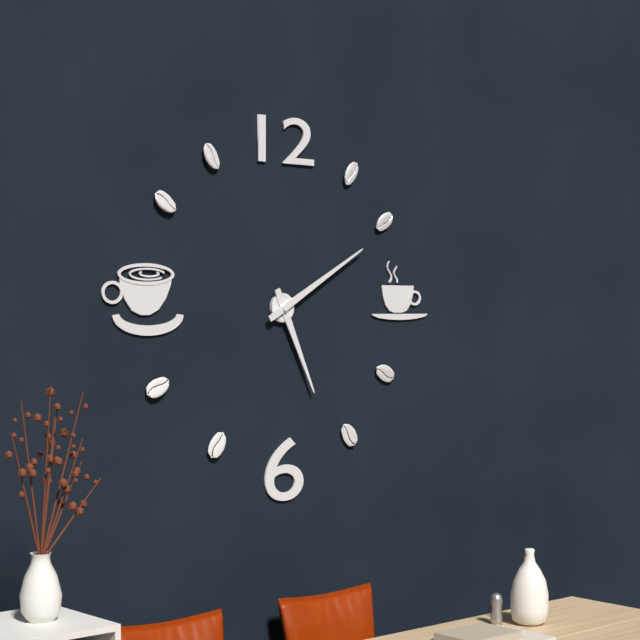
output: 5.10
